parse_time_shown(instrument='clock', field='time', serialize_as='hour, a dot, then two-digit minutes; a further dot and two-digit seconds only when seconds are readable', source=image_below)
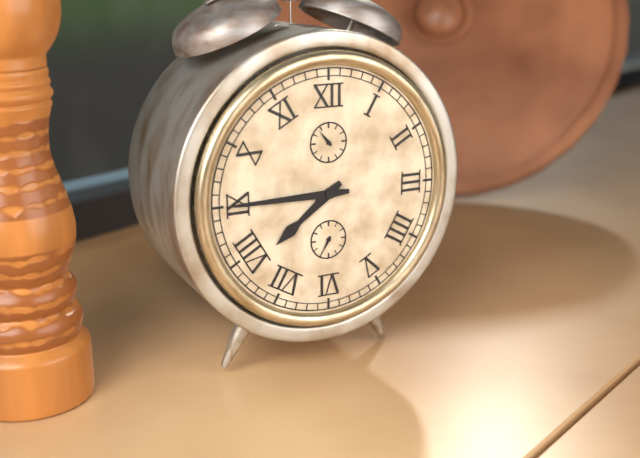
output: 7.45
